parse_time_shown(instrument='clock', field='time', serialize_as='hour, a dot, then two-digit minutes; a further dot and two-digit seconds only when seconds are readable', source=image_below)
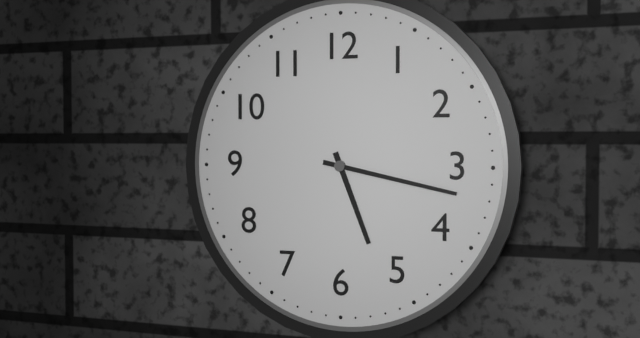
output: 5.17
